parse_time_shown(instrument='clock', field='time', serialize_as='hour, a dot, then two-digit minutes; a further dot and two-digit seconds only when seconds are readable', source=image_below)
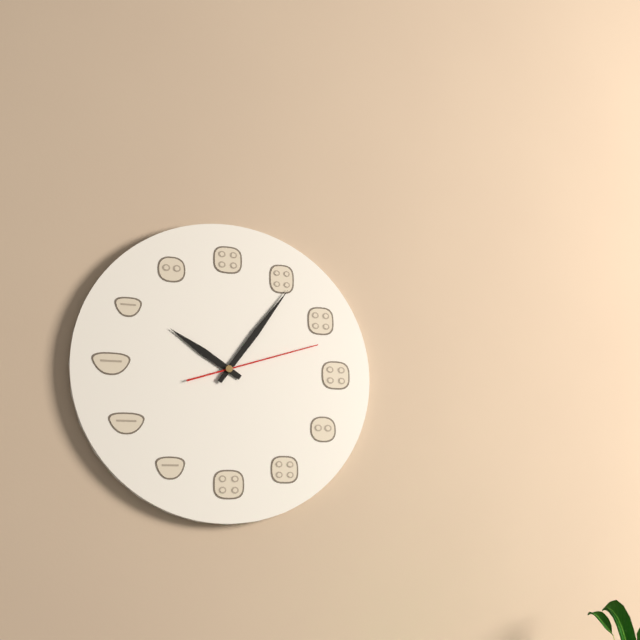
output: 10.06.12
